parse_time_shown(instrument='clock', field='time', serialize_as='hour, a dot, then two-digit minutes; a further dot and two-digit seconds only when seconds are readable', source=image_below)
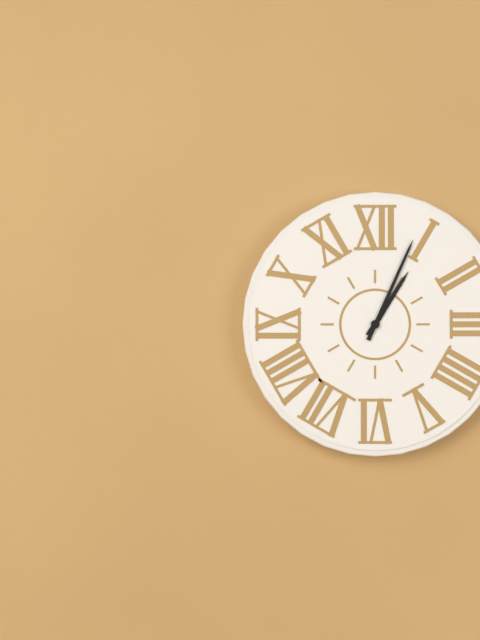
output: 1.04
